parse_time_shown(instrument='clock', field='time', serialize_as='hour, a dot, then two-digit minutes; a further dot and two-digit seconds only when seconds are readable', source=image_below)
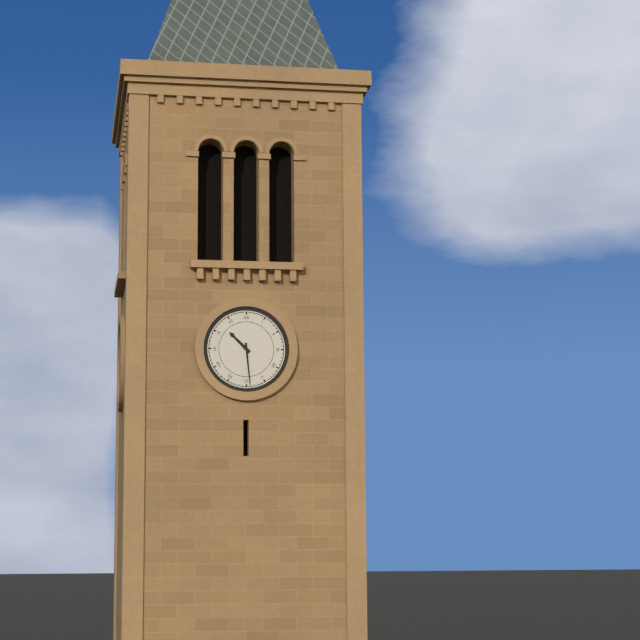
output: 10.29
